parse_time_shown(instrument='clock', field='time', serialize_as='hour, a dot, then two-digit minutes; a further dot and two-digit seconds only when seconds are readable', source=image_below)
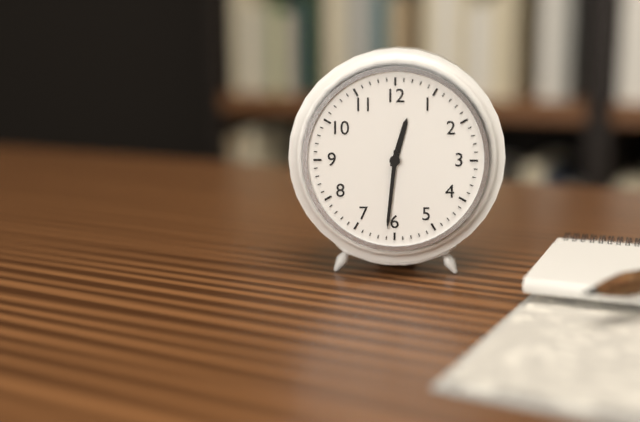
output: 12.31
